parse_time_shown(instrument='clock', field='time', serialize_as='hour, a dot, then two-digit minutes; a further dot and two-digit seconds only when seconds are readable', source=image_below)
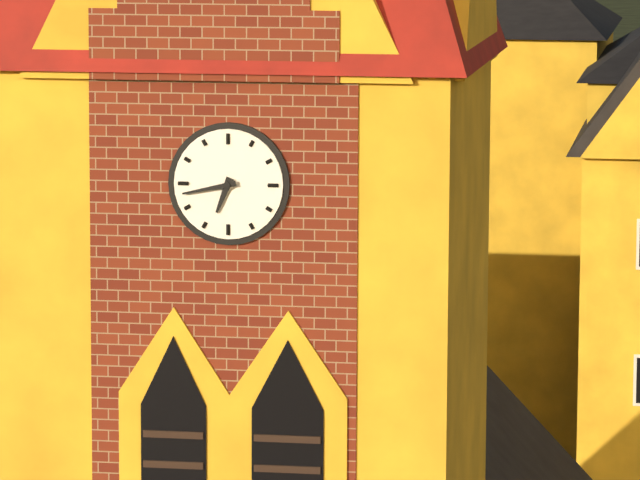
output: 6.43
